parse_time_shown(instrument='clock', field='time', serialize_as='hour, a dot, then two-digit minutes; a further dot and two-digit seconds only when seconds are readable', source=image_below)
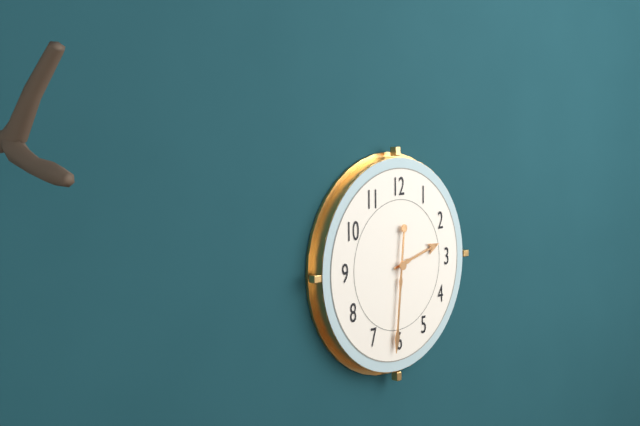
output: 2.31
